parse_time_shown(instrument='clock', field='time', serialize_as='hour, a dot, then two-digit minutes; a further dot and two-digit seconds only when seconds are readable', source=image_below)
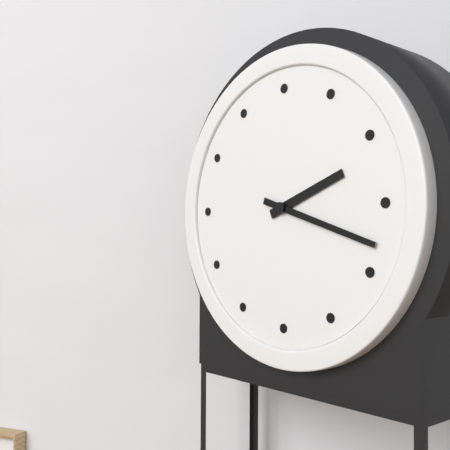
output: 2.18
